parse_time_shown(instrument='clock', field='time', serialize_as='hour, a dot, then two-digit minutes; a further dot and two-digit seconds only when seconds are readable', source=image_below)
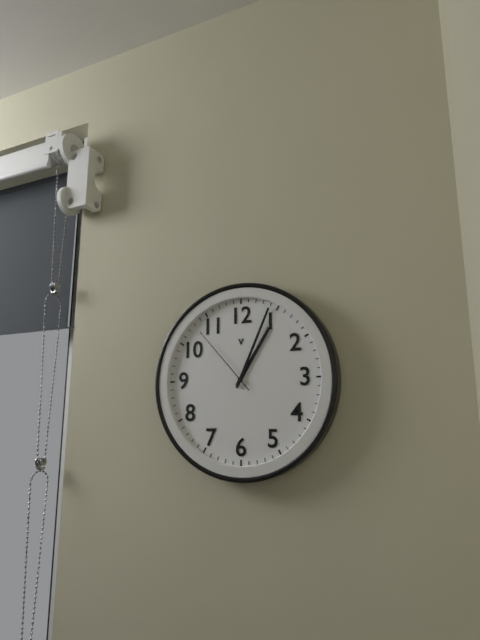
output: 1.04.53
